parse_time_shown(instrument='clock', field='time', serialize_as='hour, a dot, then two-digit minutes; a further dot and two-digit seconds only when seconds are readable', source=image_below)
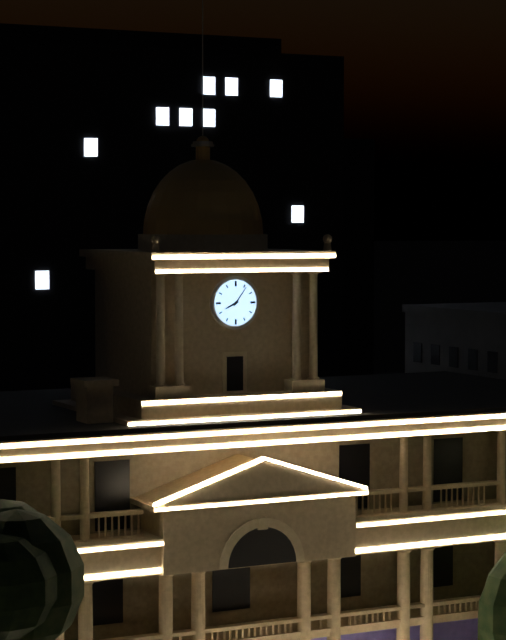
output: 8.06
